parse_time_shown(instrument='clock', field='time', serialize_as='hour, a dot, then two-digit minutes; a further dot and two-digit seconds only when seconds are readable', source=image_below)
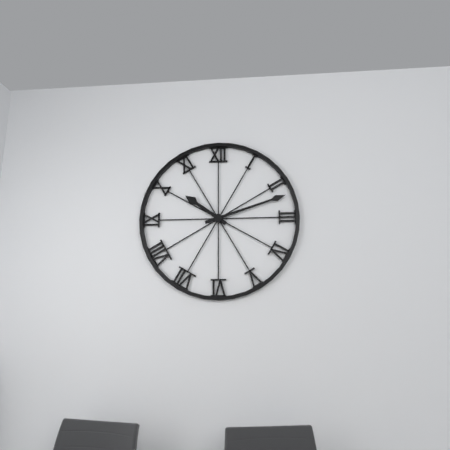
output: 10.12
